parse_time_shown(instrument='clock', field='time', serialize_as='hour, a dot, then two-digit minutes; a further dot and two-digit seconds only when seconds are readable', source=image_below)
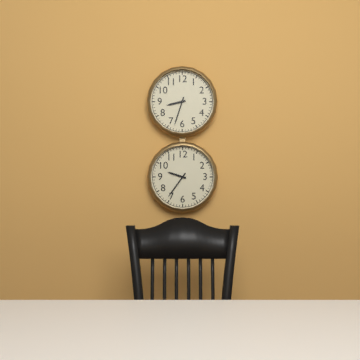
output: 8.33
